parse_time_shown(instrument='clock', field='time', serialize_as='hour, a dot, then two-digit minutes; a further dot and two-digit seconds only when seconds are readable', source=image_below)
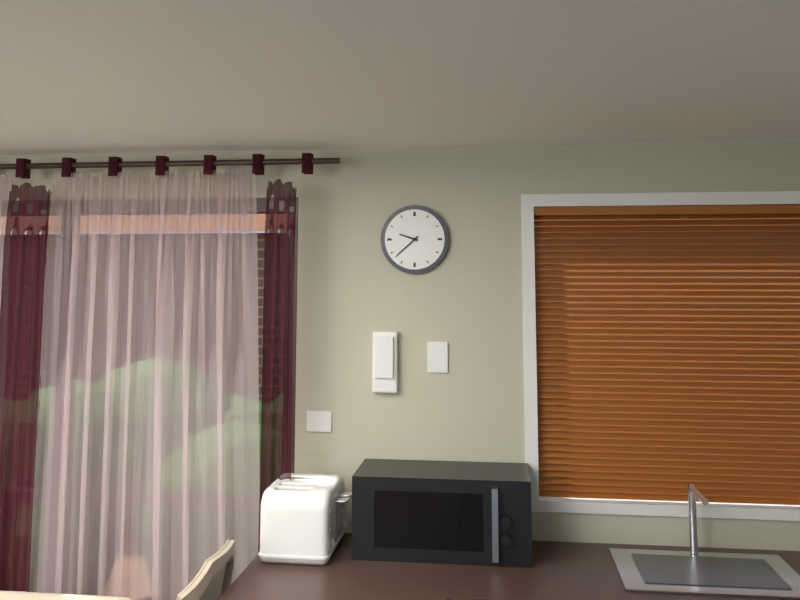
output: 9.38
